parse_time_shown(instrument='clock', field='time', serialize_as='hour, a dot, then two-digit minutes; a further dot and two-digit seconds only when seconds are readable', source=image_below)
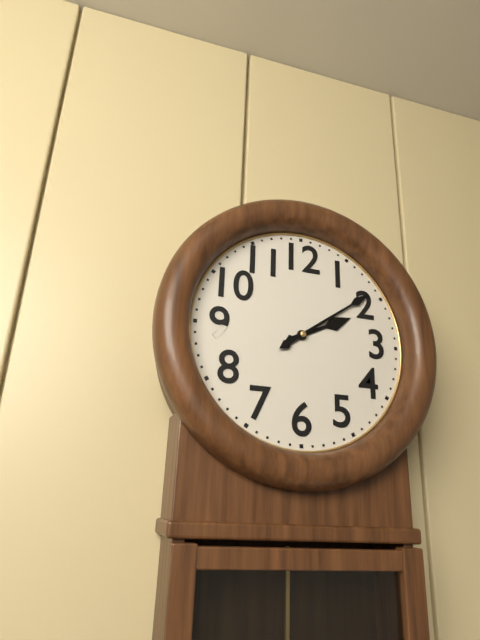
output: 2.09
